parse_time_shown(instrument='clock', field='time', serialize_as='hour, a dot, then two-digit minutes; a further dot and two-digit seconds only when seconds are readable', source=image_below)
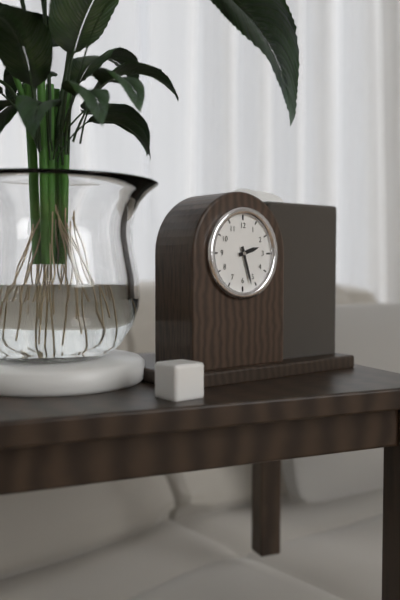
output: 2.27
